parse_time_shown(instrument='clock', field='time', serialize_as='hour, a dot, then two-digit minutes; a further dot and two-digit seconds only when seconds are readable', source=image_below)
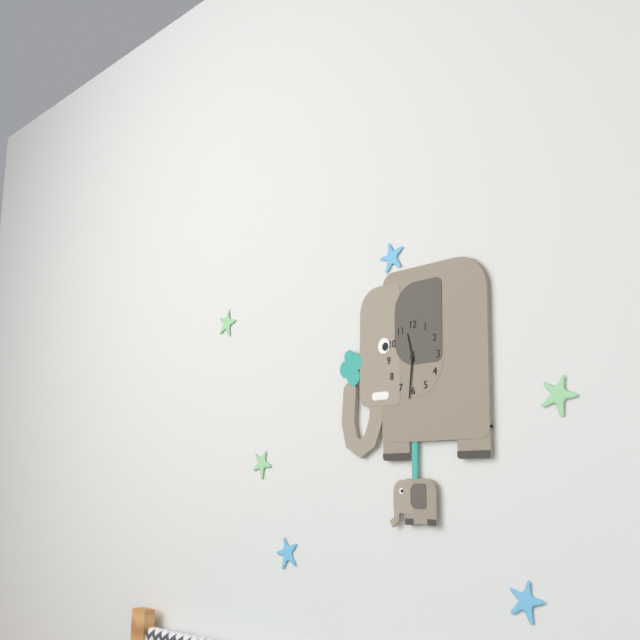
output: 11.31
